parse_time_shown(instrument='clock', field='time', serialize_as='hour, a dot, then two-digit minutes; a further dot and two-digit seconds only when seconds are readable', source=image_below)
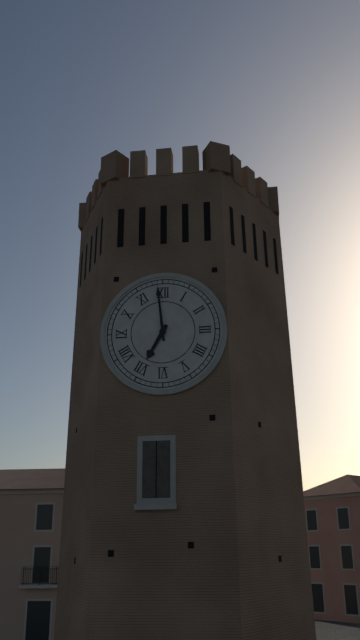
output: 6.59
